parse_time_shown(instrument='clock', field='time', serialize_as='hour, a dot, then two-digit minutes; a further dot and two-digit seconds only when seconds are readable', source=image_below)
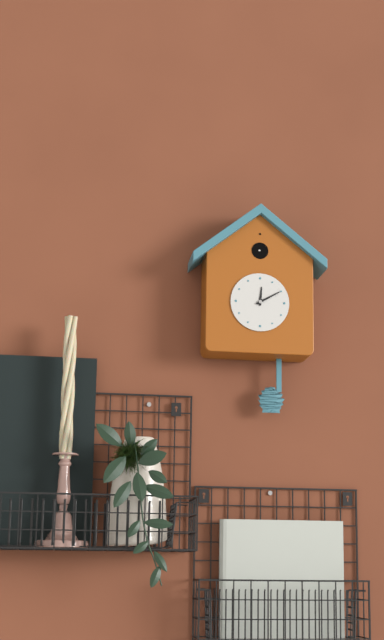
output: 12.10
